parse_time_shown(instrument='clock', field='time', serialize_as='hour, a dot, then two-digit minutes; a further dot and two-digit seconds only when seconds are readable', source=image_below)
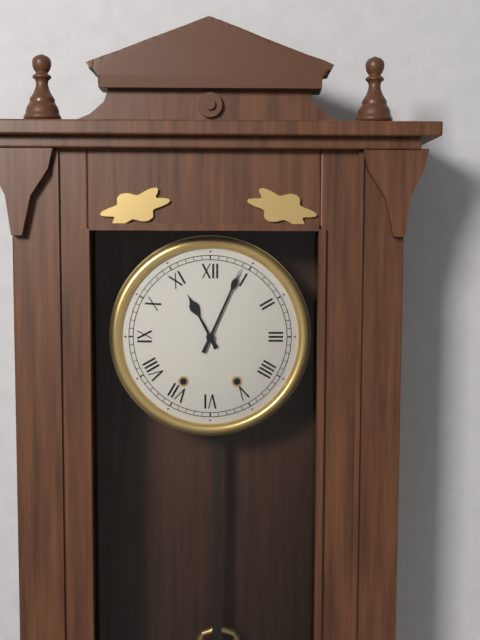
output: 11.04
